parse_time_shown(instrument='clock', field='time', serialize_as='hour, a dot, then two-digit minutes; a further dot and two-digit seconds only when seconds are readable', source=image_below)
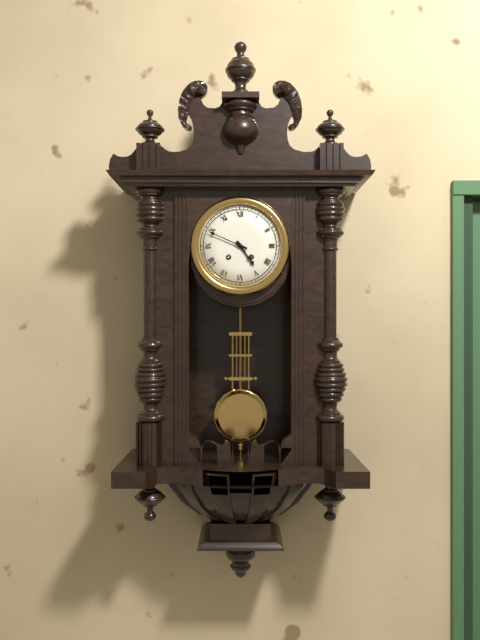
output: 4.49
